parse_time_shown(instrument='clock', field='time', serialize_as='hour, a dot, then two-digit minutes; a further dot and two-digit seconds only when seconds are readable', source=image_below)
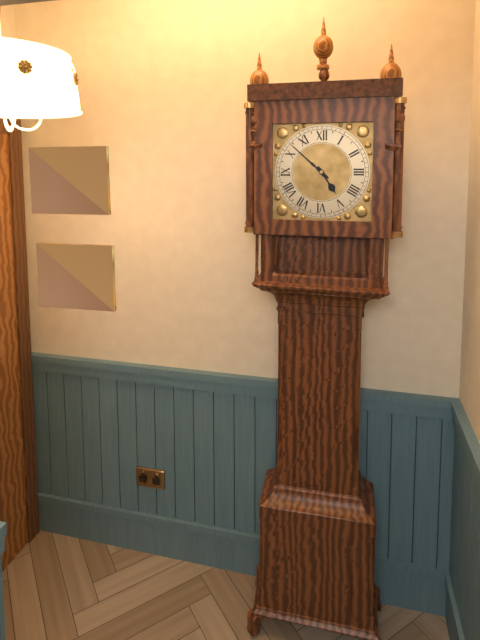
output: 4.52
